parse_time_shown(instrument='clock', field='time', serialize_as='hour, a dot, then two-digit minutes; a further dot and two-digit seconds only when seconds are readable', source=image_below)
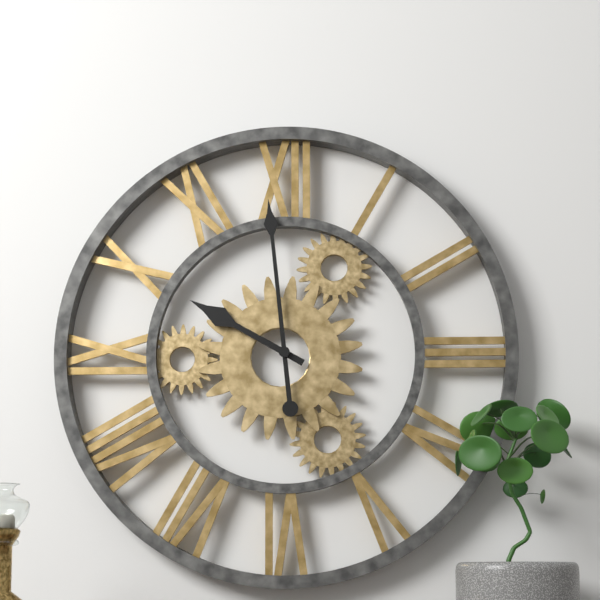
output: 9.59
